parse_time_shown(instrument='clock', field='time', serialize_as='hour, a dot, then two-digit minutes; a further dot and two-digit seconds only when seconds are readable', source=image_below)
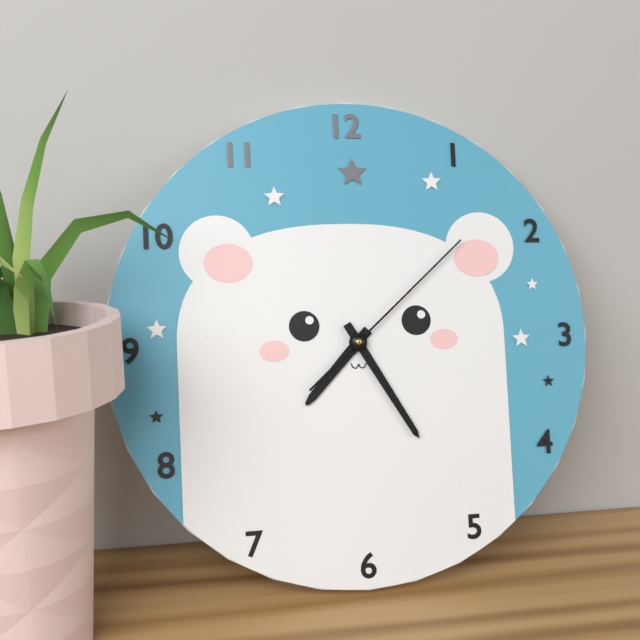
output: 7.25.08
